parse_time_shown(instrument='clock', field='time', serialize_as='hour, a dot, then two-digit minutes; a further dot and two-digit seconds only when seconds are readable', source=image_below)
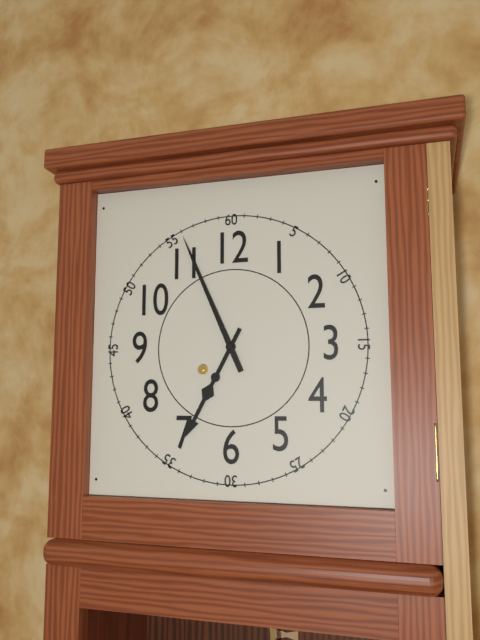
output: 6.56
